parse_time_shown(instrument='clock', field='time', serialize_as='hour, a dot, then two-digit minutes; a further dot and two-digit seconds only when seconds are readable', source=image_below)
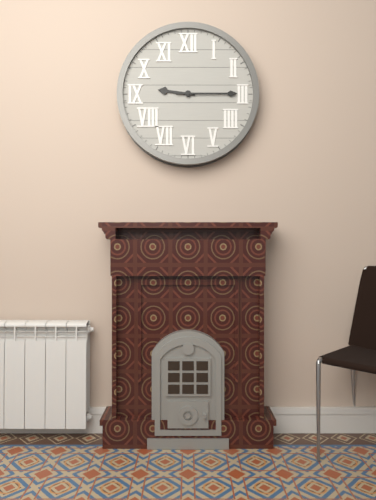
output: 9.15
